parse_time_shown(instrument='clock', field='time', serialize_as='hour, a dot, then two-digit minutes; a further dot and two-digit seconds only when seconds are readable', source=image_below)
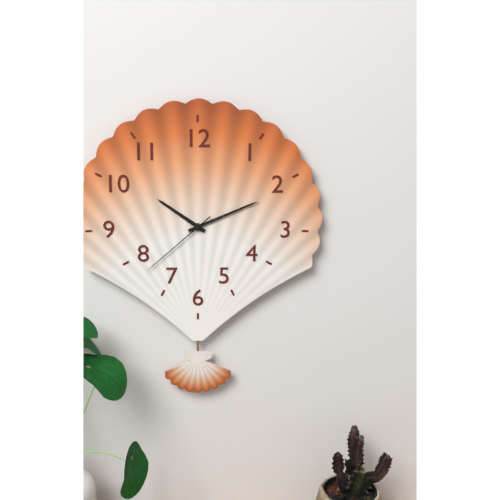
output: 10.11.38
